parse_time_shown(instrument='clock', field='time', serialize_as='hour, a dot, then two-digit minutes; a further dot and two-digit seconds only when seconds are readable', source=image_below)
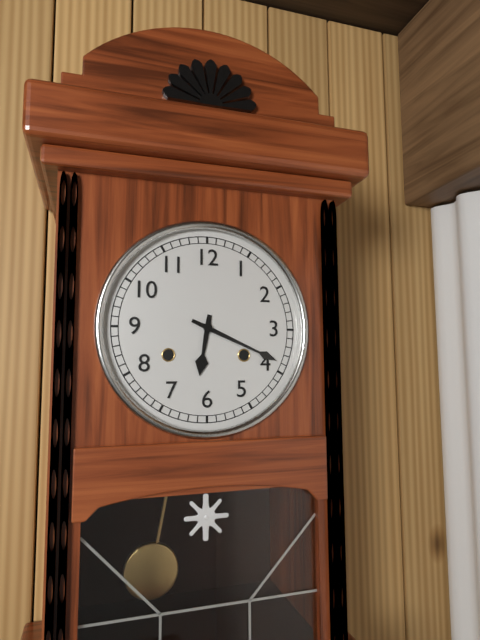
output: 6.19
